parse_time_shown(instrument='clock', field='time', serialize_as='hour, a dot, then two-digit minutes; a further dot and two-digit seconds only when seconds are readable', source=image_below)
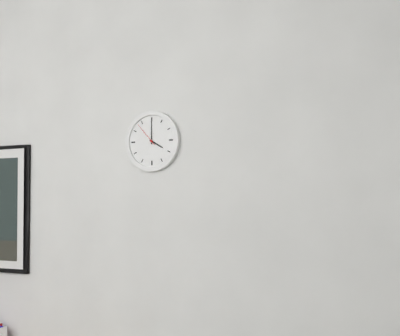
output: 4.00
